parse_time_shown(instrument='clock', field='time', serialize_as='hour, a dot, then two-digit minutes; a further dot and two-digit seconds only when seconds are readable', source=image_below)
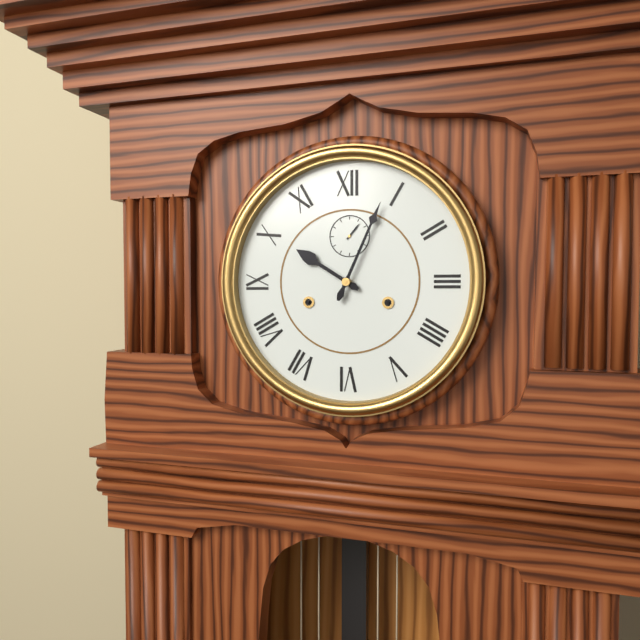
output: 10.04
